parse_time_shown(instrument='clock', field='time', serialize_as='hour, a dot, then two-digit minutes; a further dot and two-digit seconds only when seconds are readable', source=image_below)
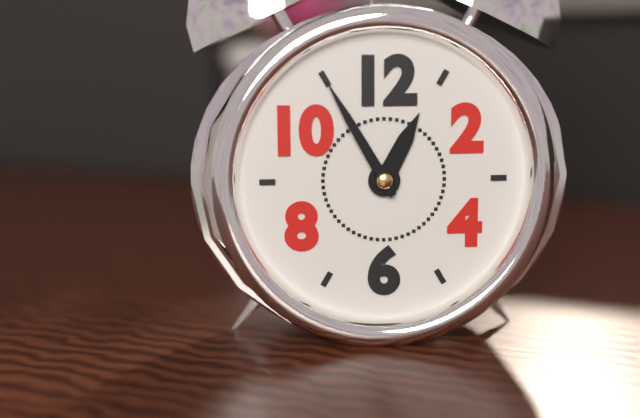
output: 12.55
